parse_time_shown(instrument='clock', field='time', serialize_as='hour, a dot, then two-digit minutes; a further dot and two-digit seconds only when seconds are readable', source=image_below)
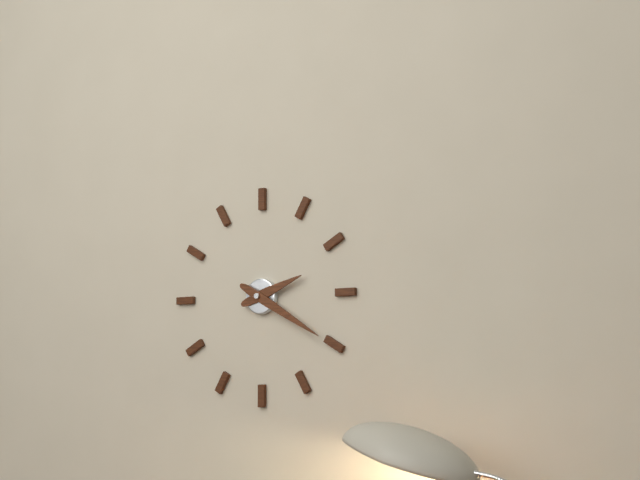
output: 2.20
